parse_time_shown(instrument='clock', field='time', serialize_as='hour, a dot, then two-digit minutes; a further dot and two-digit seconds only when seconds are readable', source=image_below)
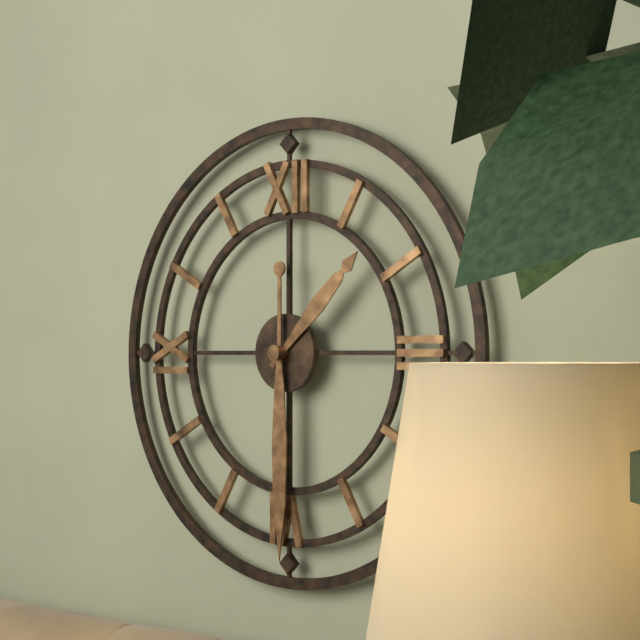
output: 1.30
